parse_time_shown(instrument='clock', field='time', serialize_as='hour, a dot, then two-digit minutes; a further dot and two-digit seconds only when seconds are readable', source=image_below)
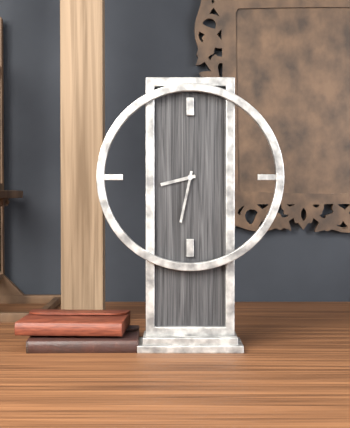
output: 8.32
